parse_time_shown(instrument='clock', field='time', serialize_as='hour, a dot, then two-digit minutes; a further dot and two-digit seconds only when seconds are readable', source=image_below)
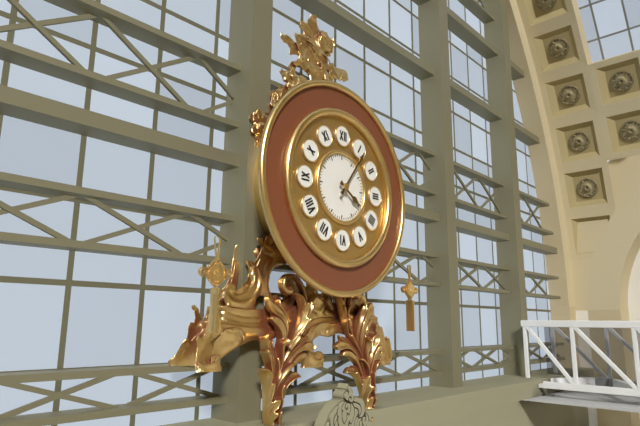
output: 4.06
